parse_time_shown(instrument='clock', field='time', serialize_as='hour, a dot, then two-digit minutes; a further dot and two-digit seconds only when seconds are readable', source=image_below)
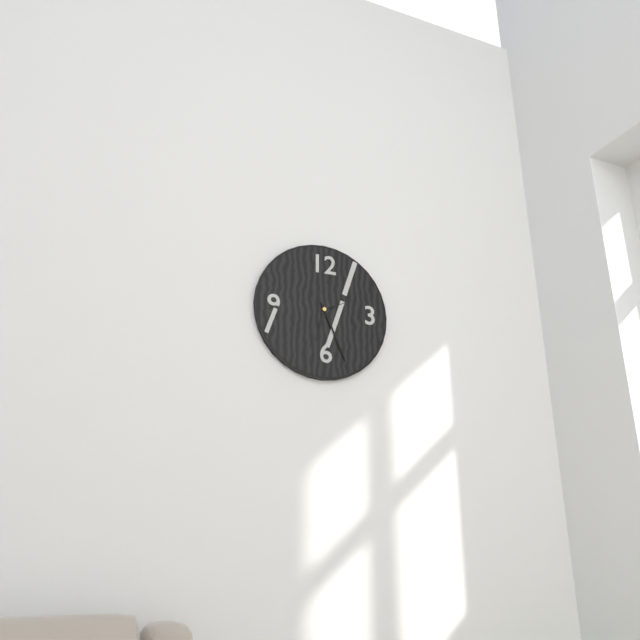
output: 6.26
